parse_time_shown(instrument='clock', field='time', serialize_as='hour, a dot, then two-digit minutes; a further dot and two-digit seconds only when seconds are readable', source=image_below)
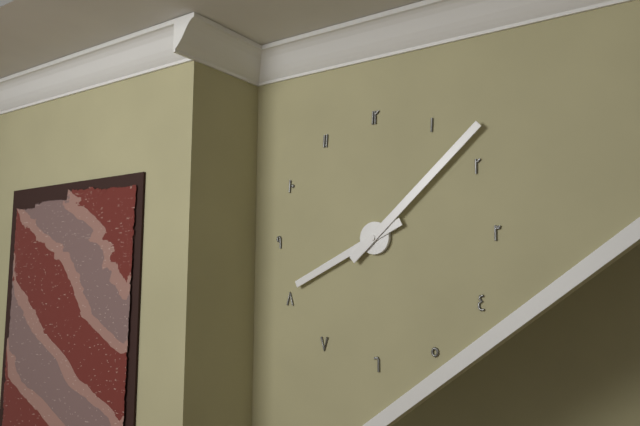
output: 8.08
